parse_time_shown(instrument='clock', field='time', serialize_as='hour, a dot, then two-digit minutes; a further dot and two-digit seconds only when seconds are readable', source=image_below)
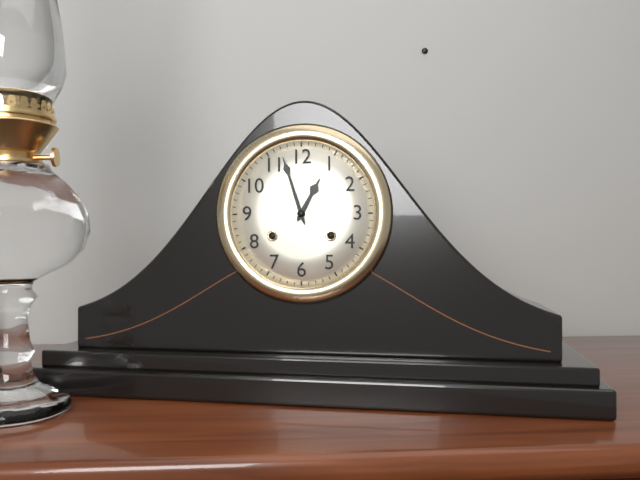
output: 12.57
